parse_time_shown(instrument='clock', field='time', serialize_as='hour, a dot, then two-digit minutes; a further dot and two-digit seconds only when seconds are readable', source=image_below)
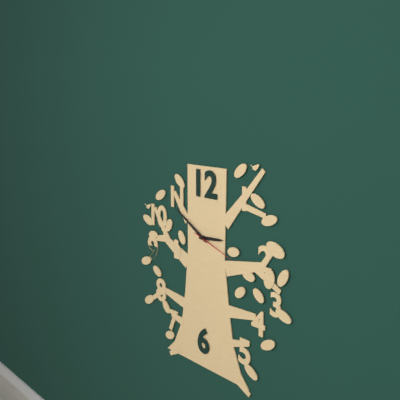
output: 2.50
